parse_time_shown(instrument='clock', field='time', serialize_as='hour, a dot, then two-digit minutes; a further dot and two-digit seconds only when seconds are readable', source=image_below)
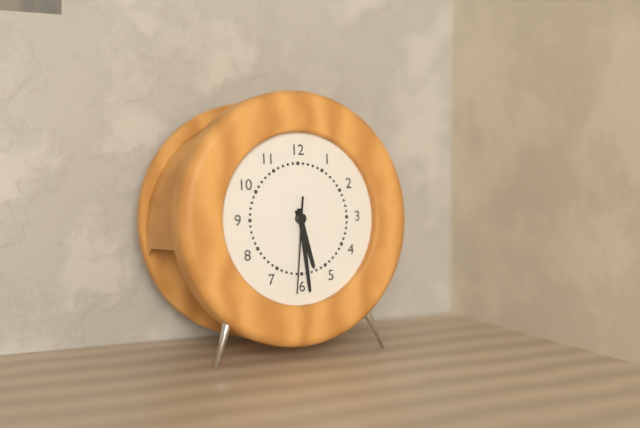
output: 5.29.31
